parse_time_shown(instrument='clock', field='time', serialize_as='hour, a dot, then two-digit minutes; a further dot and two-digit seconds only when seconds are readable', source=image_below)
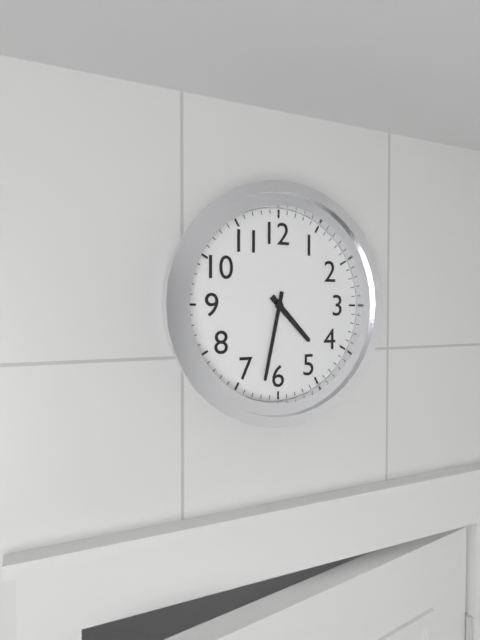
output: 4.32
